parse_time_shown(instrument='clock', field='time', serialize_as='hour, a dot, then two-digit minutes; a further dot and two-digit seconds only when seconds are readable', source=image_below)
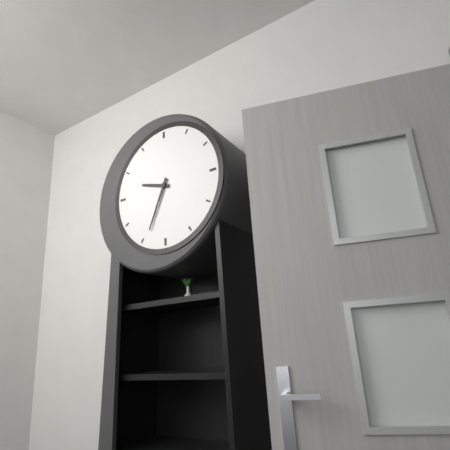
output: 9.34
